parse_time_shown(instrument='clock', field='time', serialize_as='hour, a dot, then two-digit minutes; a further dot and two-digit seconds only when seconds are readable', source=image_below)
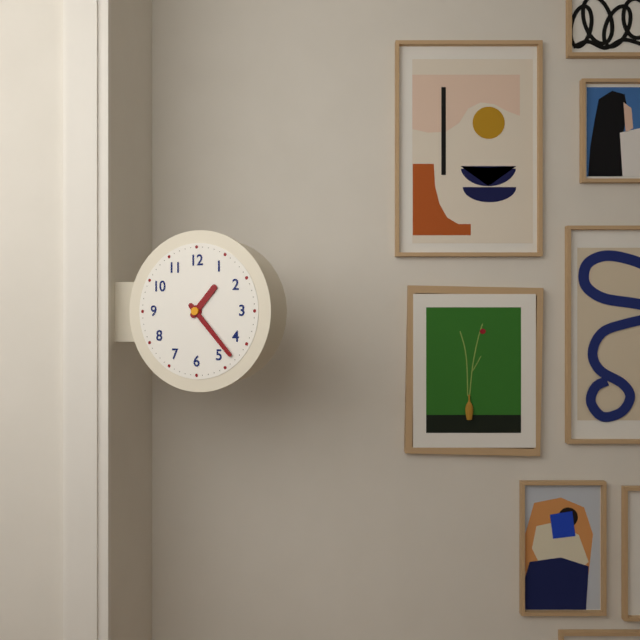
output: 1.23
